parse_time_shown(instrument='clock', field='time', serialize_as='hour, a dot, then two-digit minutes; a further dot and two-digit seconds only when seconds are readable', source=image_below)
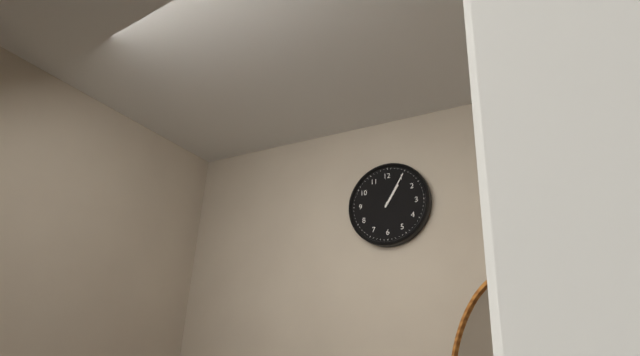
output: 1.05
